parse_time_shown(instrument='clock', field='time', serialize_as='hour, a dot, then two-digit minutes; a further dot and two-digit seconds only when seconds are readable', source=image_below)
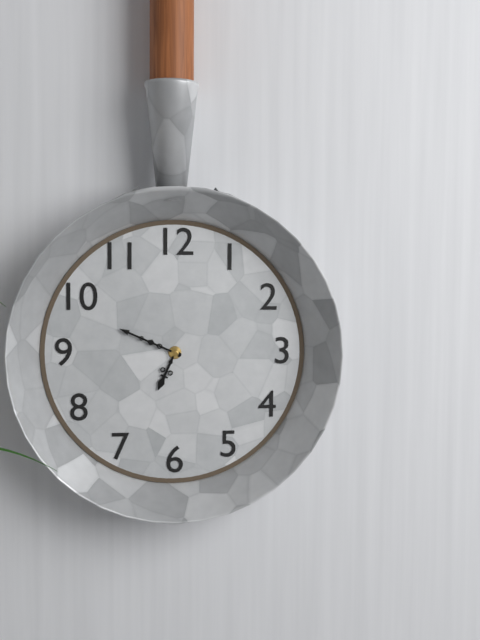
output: 6.49
